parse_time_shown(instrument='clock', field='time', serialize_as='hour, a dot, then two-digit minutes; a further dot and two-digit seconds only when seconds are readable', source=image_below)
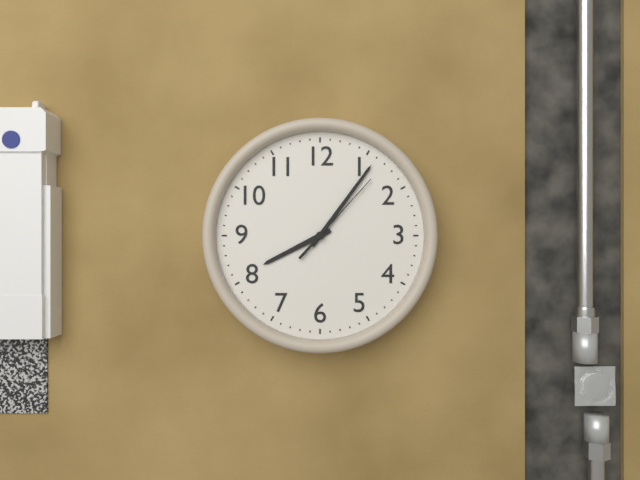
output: 8.06.07
